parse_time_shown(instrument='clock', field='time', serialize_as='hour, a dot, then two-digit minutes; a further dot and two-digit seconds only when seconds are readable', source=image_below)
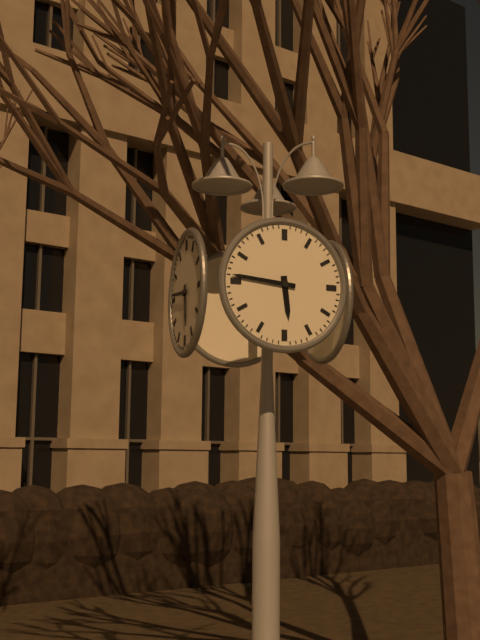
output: 5.46
